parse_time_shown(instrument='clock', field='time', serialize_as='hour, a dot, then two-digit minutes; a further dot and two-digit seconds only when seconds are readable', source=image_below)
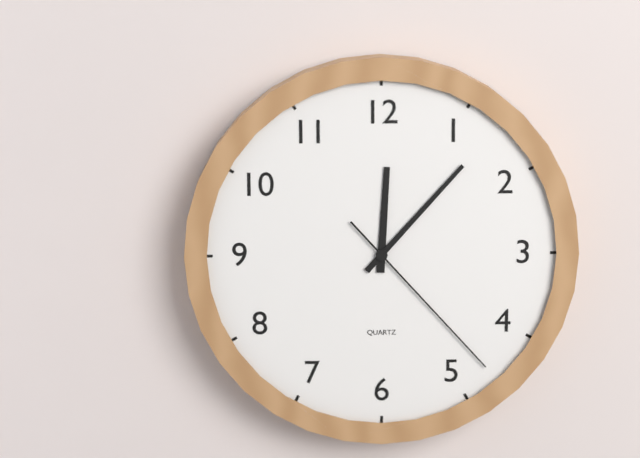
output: 12.07.23
